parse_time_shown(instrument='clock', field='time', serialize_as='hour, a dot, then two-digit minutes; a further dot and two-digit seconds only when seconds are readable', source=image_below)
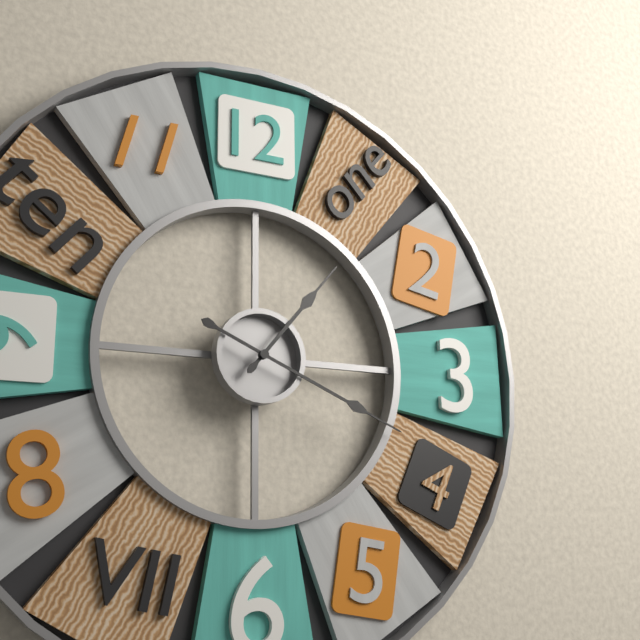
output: 1.19
